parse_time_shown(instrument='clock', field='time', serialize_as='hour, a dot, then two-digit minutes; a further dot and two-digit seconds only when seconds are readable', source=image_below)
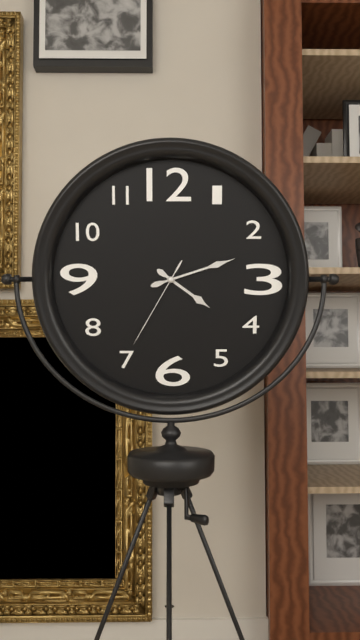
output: 4.12.35
